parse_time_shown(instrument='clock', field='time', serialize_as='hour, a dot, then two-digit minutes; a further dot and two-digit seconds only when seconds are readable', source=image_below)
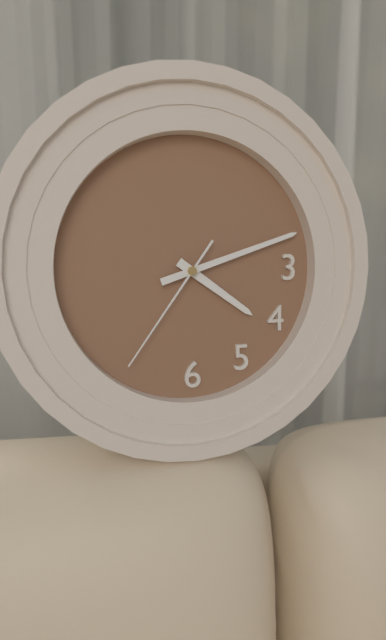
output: 4.12.36
